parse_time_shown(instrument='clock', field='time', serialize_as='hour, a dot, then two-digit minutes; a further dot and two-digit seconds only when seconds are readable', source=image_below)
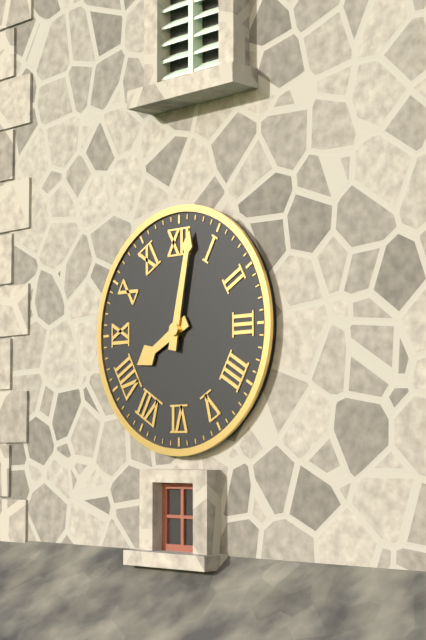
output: 8.02
